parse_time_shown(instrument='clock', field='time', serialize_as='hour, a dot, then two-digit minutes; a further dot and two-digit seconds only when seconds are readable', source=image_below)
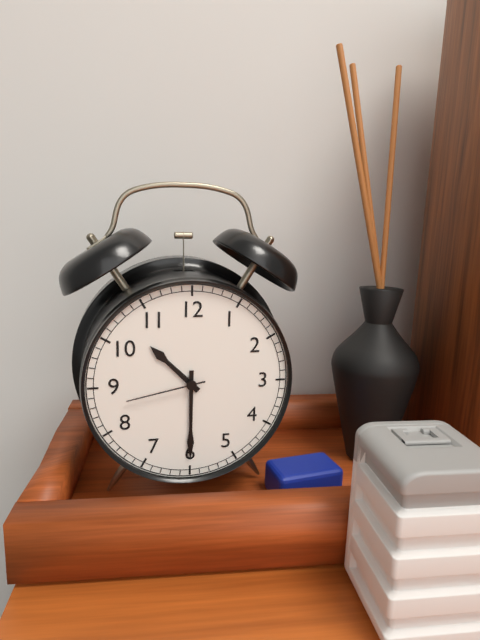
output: 10.30.43
